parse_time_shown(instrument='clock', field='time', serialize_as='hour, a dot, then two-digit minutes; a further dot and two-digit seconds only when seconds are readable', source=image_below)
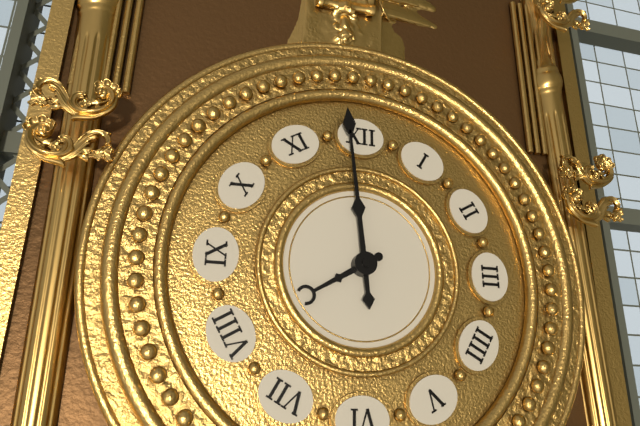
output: 7.59
